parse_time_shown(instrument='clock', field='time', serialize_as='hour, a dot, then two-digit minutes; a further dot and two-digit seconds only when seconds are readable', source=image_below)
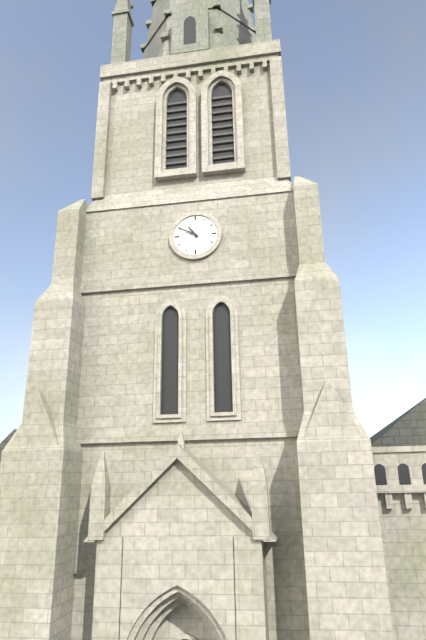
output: 10.50
